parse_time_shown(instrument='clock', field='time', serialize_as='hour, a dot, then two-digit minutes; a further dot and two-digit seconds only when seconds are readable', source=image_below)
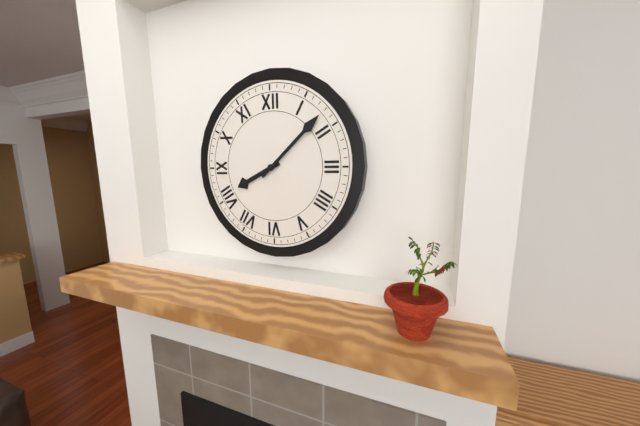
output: 8.08
